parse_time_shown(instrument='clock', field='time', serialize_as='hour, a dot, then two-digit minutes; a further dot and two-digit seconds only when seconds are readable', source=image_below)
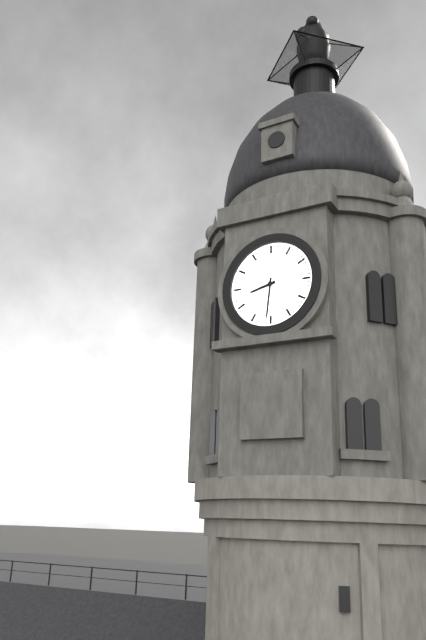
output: 8.31
